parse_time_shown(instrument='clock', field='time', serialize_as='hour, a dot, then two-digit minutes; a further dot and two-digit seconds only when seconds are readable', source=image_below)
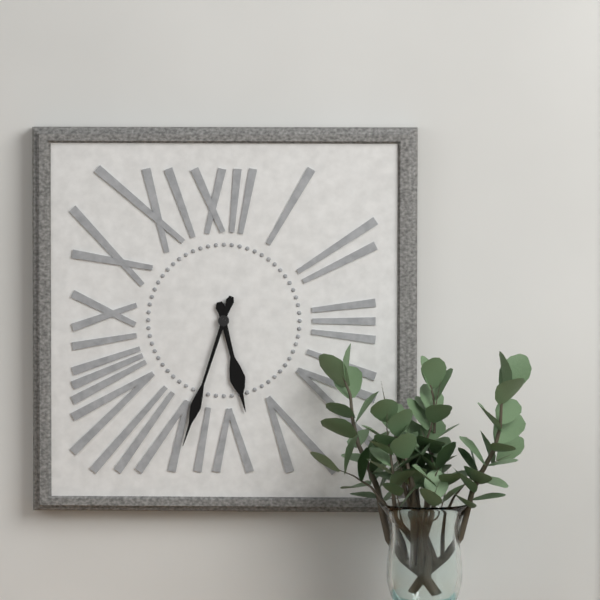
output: 5.33
